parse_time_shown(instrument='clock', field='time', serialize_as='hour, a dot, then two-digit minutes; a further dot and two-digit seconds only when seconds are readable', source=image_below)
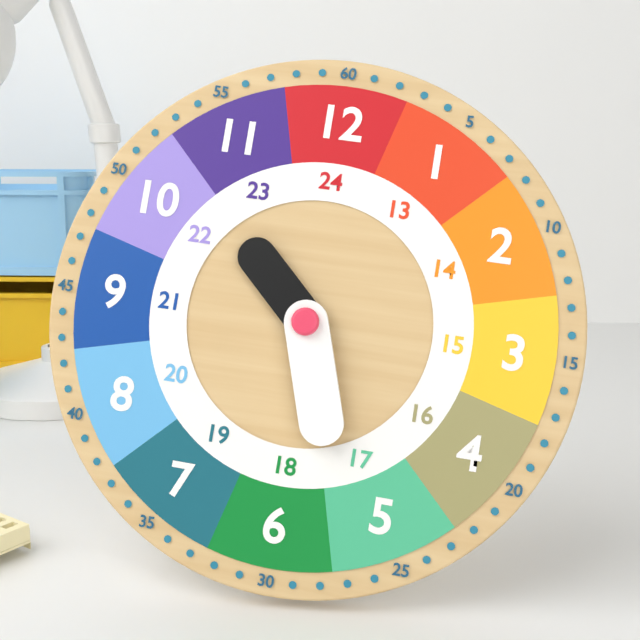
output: 10.27
